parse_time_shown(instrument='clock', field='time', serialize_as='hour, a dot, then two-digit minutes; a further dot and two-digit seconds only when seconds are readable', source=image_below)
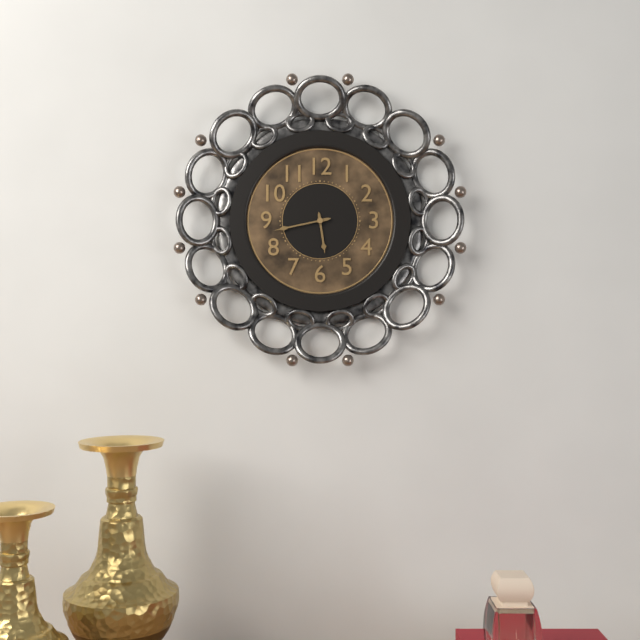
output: 5.43
